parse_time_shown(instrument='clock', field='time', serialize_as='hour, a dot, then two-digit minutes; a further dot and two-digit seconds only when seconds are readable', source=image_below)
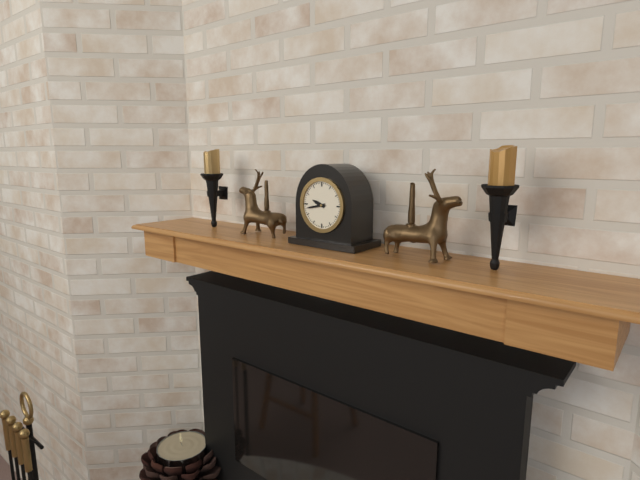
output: 9.43
